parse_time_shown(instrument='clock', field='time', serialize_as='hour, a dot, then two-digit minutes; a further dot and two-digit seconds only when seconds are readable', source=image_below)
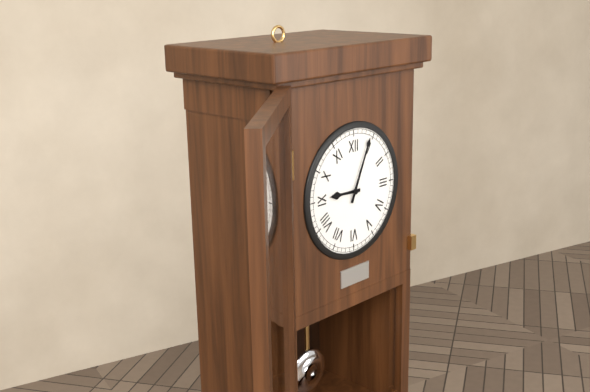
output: 9.04
